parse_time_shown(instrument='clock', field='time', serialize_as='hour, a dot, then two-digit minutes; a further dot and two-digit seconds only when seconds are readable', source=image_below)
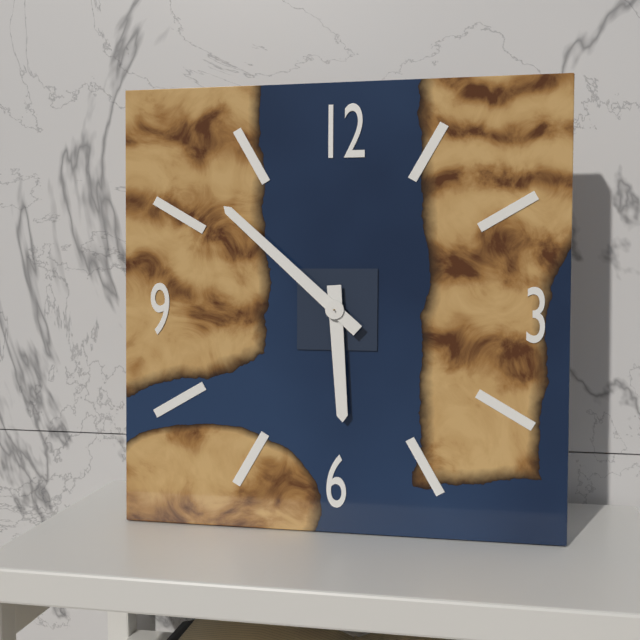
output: 5.52
